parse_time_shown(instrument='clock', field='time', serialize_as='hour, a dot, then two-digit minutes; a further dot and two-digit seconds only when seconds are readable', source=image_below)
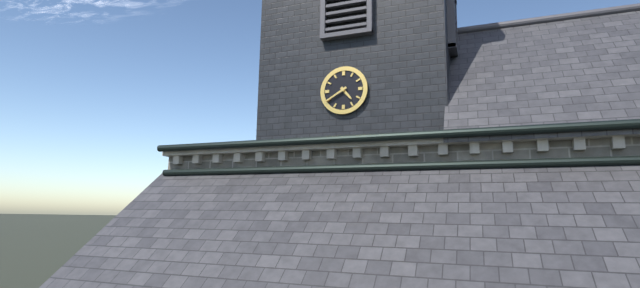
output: 4.40
